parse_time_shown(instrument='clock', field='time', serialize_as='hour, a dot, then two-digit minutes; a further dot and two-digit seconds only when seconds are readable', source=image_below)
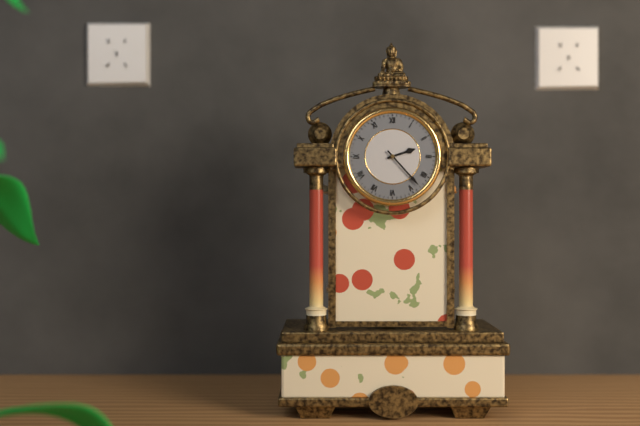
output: 2.23
